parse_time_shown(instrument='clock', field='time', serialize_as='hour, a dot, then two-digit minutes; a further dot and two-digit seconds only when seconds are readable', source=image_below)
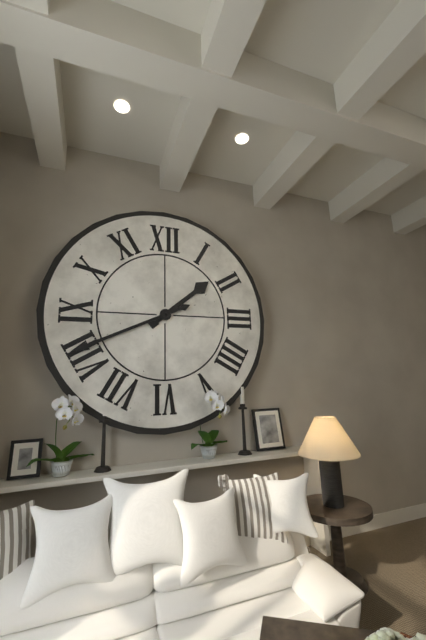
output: 1.41
